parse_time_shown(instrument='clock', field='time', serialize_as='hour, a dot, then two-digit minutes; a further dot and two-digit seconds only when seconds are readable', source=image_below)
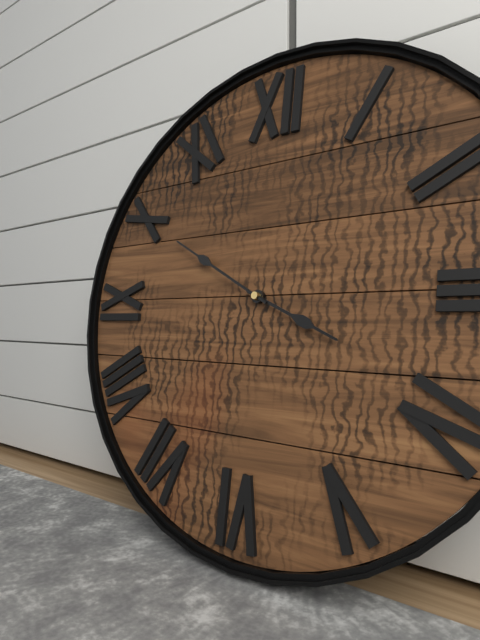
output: 3.50
